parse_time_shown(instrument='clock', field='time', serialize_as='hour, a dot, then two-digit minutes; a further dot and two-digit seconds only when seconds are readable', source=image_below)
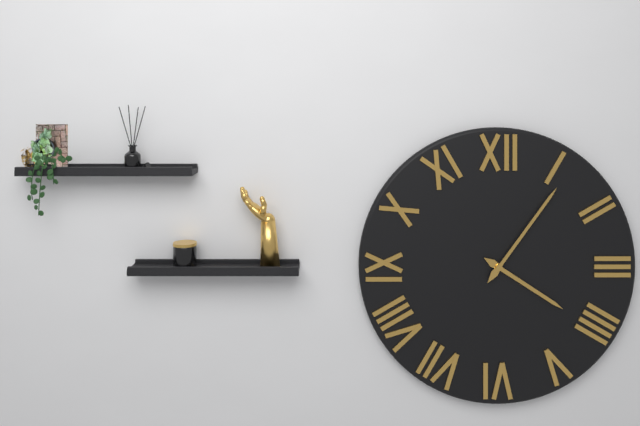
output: 4.06
